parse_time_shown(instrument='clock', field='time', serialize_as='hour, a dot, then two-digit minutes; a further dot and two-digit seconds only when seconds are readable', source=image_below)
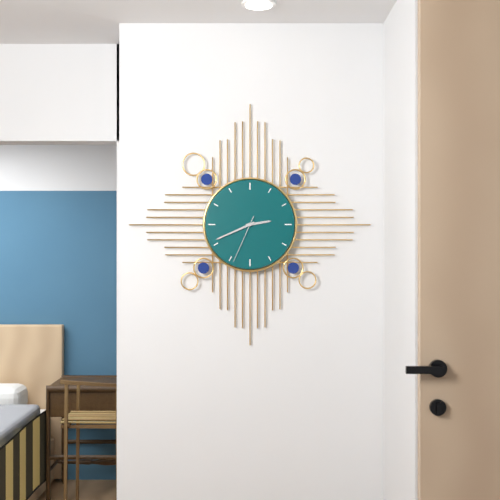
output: 2.41.34
